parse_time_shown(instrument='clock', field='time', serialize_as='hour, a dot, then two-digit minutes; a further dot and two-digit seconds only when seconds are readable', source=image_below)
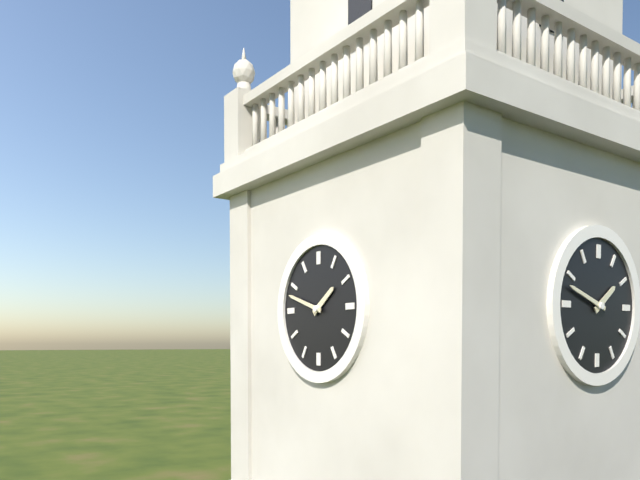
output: 1.48
